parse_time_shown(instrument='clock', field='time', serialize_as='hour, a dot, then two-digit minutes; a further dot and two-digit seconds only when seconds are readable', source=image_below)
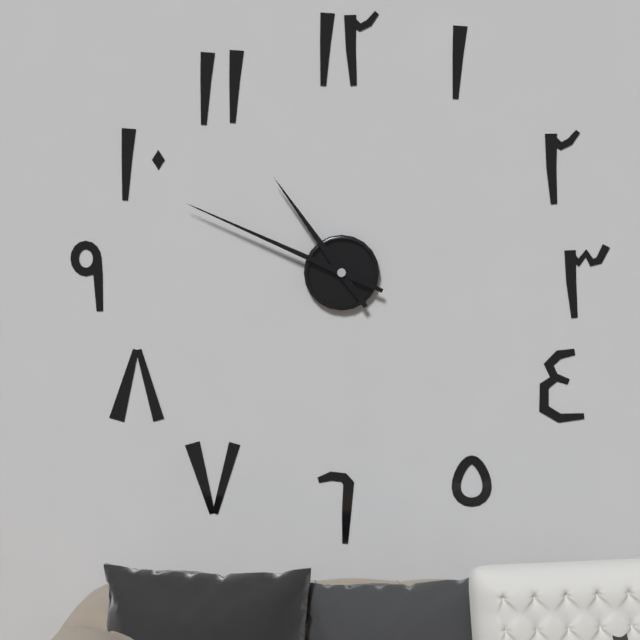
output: 10.49
